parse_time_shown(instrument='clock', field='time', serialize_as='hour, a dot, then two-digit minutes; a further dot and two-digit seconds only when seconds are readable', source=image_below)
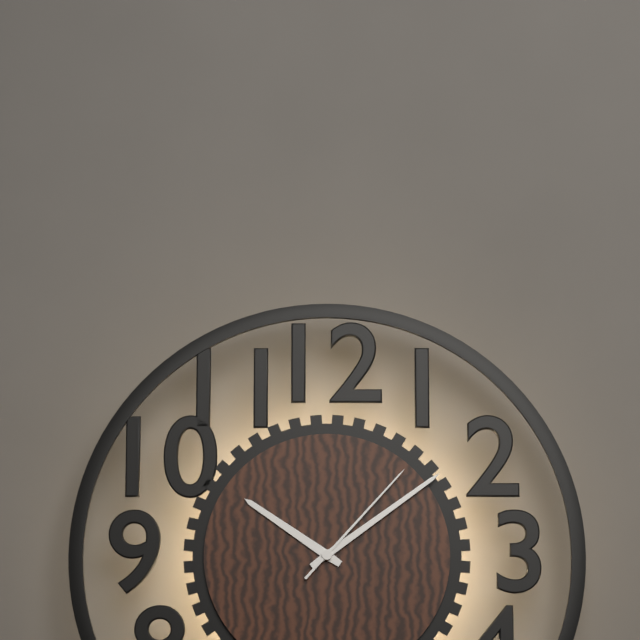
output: 10.09.07
